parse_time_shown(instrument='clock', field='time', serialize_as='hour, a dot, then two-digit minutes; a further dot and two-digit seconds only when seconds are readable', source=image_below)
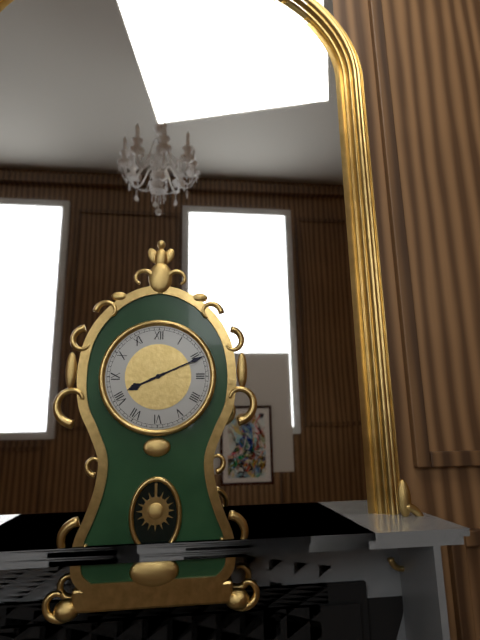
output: 8.11
